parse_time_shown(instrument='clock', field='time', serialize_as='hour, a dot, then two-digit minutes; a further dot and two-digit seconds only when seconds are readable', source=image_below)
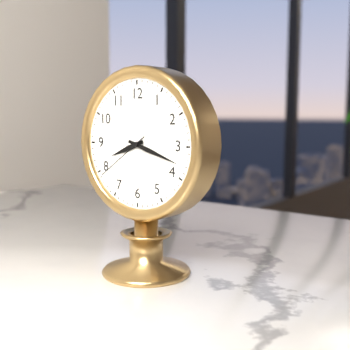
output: 8.18.39
